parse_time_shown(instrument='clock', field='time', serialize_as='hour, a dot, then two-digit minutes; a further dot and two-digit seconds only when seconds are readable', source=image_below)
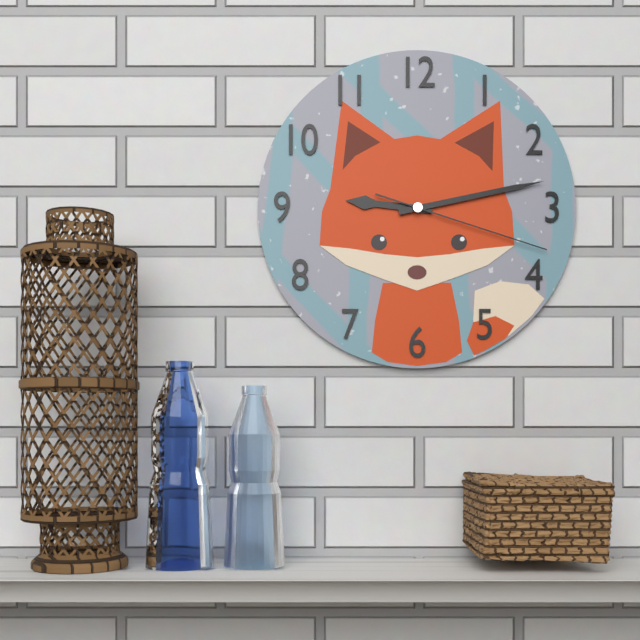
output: 9.13.18
